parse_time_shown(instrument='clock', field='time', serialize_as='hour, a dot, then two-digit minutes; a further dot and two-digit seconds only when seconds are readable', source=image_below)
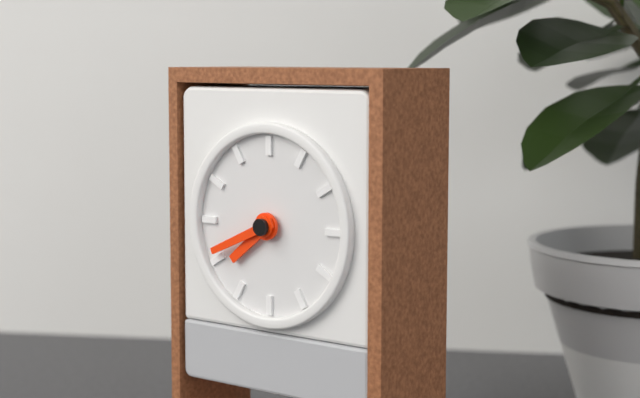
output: 7.41
